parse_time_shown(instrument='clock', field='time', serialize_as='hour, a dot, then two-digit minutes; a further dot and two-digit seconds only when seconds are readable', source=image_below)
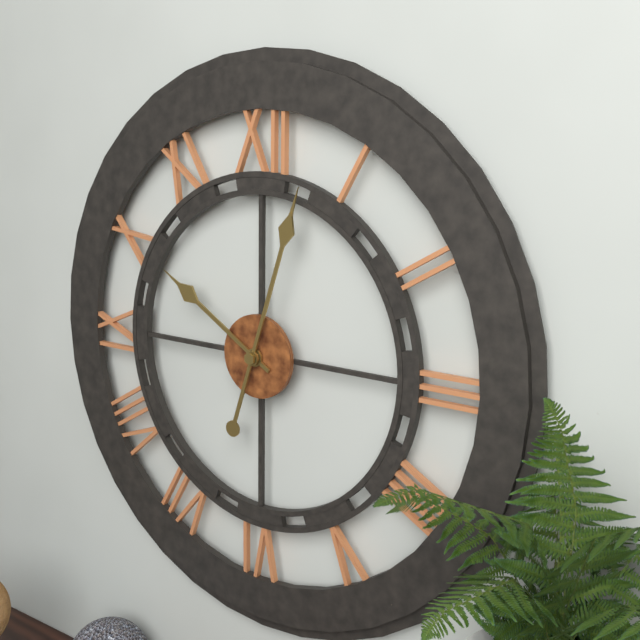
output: 10.03
